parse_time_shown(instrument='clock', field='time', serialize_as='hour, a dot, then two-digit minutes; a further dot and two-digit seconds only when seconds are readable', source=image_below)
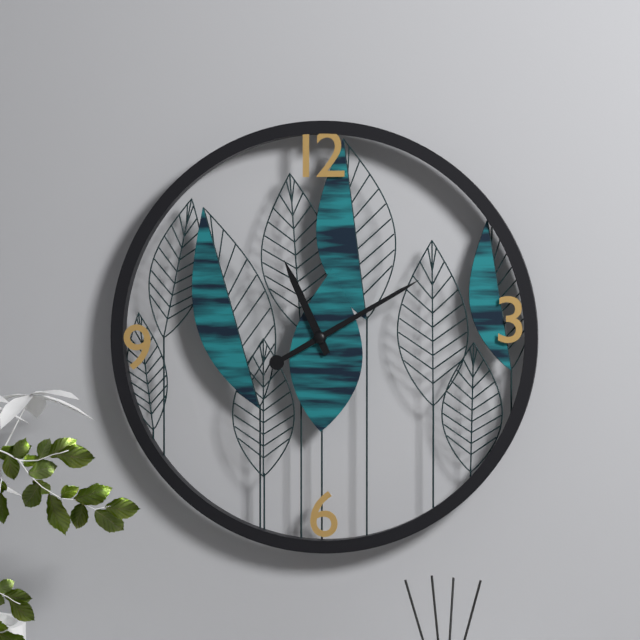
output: 11.10
